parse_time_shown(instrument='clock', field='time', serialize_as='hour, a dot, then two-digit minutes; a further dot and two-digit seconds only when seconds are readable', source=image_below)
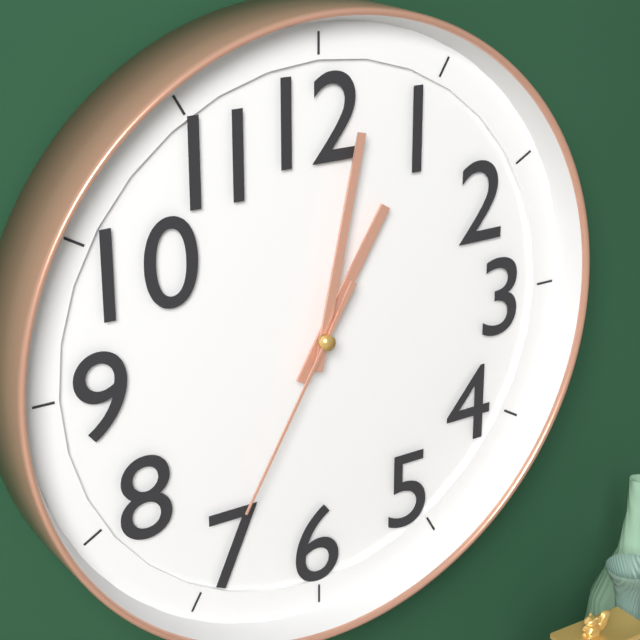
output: 1.02.35
